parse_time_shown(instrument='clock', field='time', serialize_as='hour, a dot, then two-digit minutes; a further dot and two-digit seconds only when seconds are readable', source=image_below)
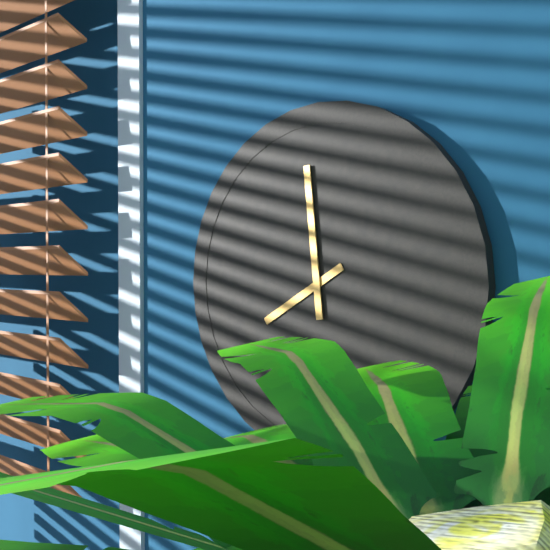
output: 7.59
